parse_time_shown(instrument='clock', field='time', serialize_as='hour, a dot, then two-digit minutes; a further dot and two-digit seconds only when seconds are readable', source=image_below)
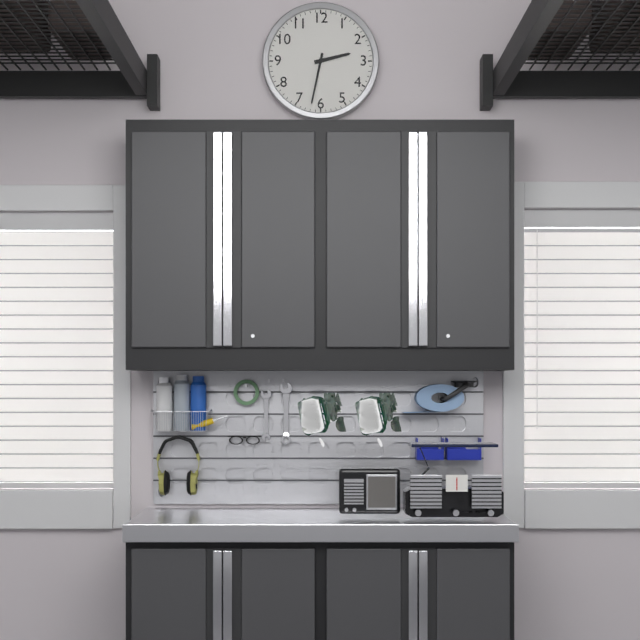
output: 2.32
